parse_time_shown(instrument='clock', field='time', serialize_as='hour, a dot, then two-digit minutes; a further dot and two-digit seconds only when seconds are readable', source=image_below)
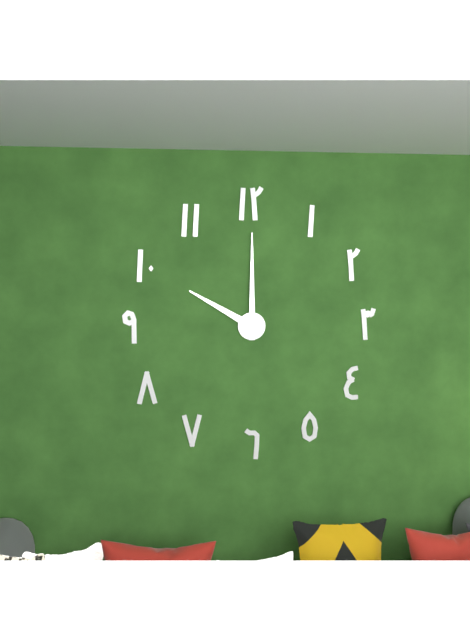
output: 10.00
